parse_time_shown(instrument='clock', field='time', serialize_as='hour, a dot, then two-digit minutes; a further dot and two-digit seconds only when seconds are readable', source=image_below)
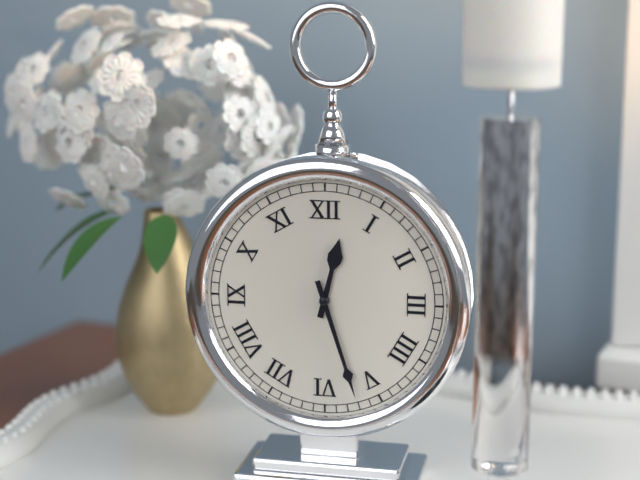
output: 12.27
